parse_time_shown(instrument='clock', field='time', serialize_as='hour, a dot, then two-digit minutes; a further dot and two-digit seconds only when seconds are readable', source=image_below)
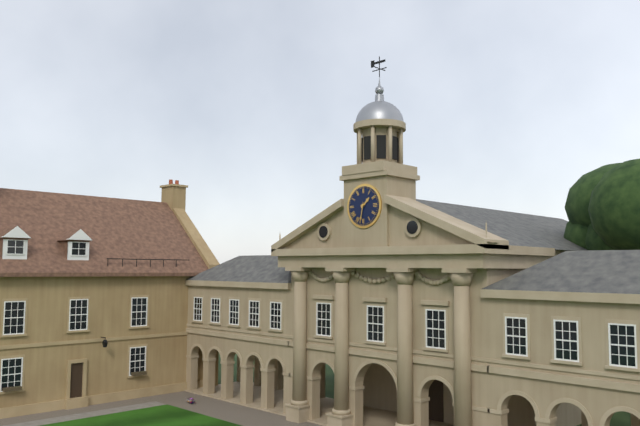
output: 1.32
